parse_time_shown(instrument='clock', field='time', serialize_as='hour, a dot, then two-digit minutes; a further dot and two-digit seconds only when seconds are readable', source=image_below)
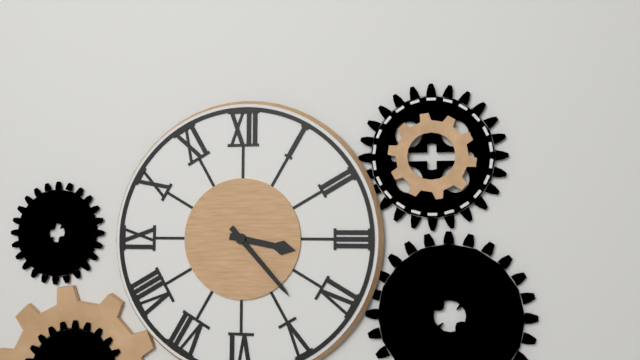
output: 3.23
